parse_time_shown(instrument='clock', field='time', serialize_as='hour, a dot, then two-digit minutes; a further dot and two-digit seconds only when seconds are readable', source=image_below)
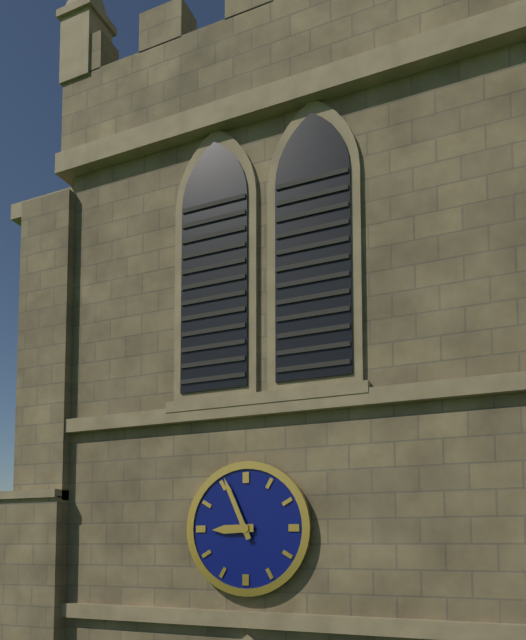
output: 8.56
